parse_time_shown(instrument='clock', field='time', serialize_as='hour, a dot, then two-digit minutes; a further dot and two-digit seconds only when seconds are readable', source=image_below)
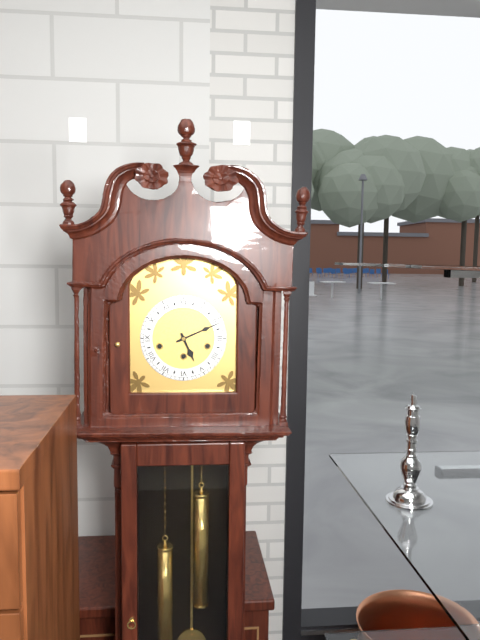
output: 5.11
